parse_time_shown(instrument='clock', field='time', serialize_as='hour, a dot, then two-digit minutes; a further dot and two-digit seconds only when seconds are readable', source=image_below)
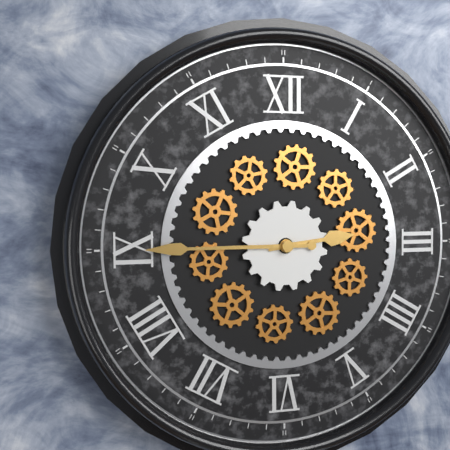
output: 2.45
